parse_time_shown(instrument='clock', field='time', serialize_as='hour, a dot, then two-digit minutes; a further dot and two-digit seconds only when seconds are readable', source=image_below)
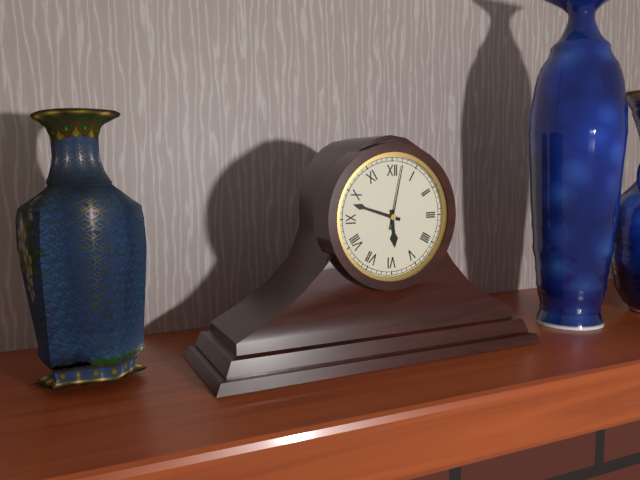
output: 5.48.02
